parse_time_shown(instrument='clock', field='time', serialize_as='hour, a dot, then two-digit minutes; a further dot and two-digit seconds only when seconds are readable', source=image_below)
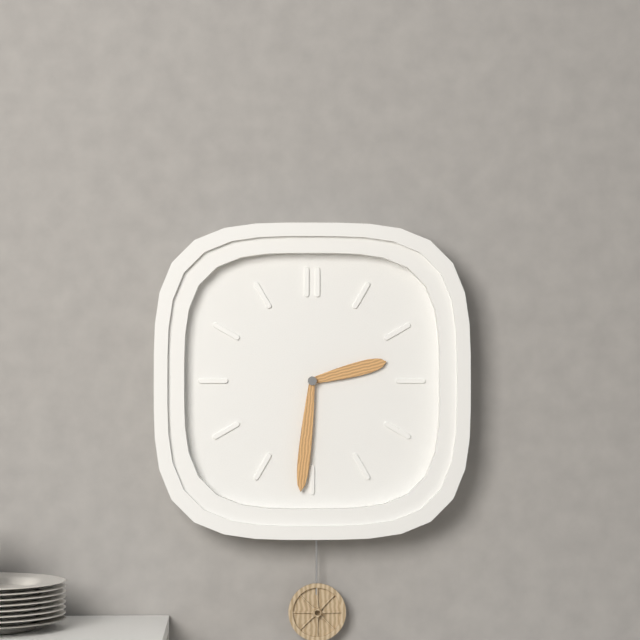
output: 2.31
